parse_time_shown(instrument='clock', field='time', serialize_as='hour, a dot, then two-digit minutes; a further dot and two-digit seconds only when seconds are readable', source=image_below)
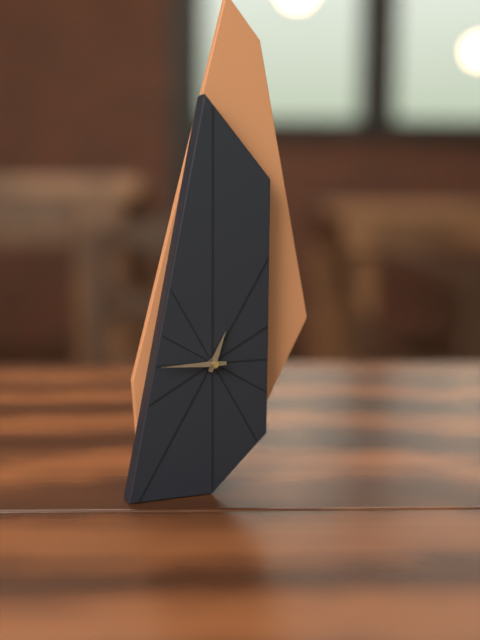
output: 12.45
